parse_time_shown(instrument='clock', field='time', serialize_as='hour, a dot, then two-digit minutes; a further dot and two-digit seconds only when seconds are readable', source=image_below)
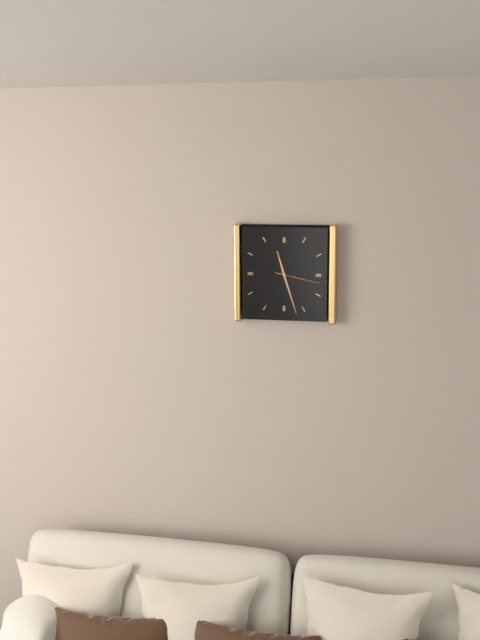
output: 11.27
